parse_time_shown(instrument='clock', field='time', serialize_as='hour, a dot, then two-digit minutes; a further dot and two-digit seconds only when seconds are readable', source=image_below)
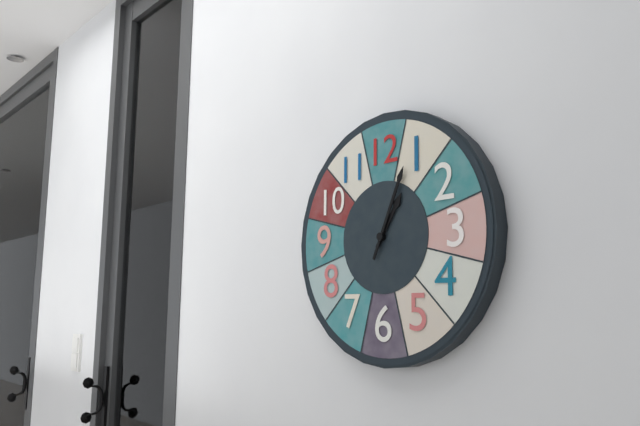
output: 1.04
